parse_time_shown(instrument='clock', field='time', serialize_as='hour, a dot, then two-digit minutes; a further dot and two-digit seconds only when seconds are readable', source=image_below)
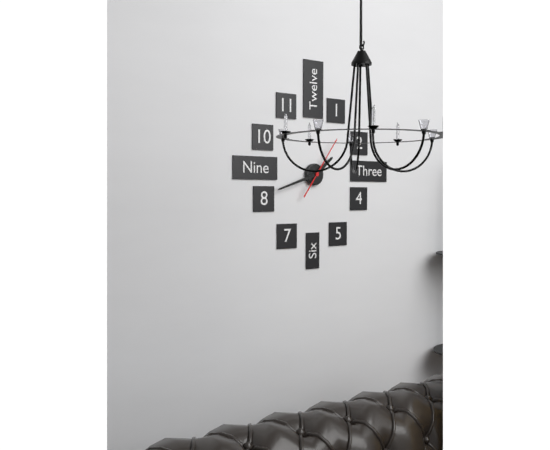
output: 1.42.06
